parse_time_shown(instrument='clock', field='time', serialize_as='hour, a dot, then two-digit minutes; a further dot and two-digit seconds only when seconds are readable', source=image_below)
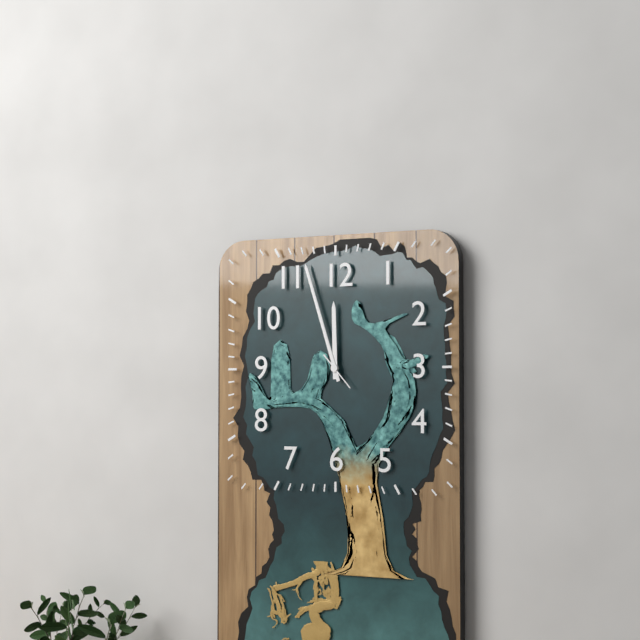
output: 11.57
